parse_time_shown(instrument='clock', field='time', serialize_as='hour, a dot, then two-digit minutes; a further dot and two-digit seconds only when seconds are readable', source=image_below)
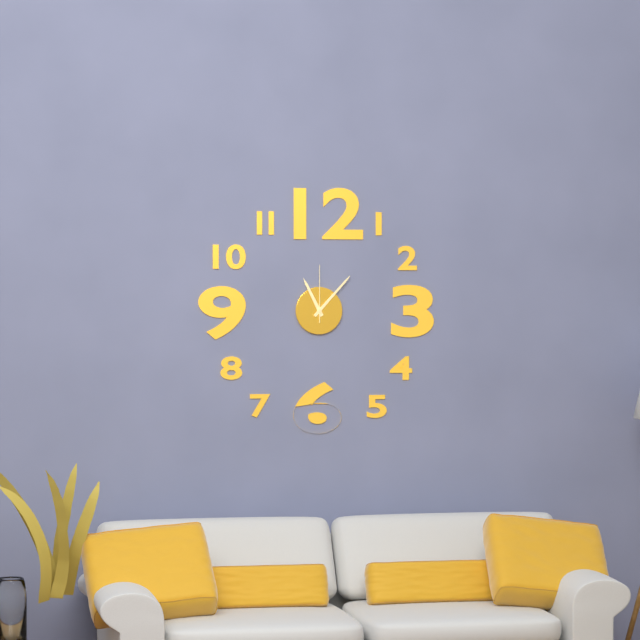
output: 11.07.00
